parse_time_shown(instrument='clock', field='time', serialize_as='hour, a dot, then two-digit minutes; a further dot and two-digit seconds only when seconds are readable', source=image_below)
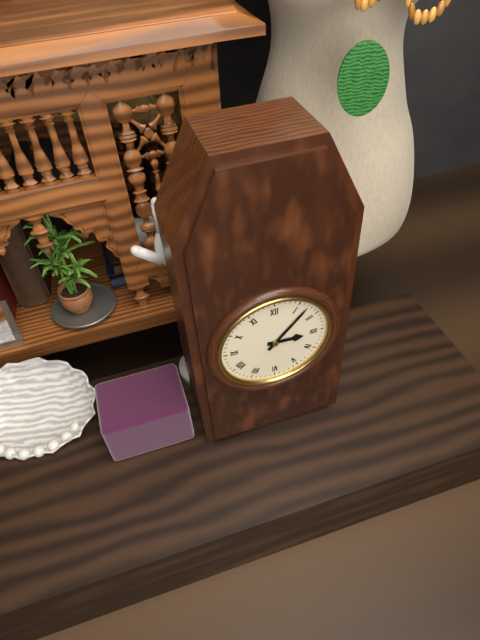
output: 3.07
